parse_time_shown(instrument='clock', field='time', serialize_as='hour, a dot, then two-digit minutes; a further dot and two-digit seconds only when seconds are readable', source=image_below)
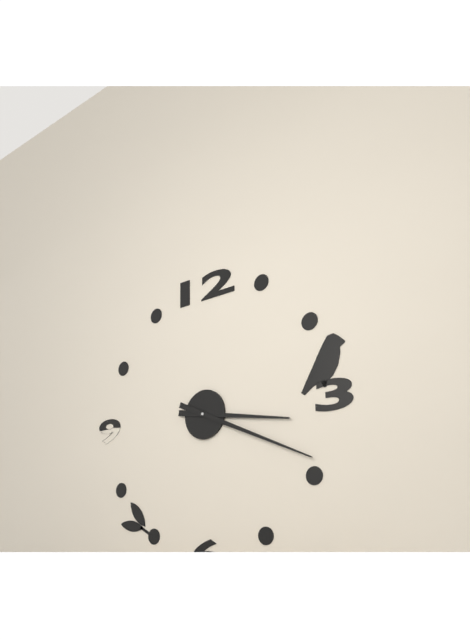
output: 3.19
